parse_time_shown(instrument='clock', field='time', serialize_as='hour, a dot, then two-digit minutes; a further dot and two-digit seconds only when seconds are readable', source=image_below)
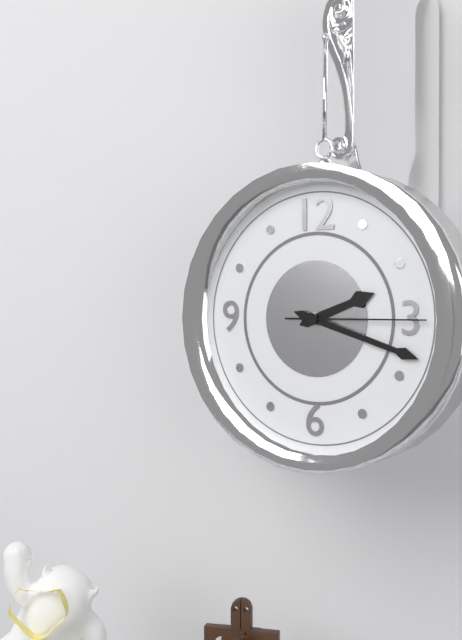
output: 2.18.15
